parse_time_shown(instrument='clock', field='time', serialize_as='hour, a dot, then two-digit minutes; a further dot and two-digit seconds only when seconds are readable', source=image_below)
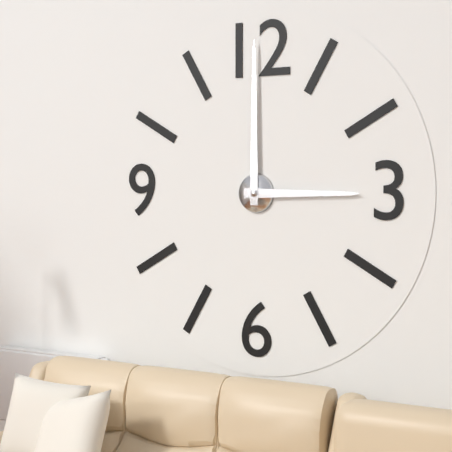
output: 3.00
